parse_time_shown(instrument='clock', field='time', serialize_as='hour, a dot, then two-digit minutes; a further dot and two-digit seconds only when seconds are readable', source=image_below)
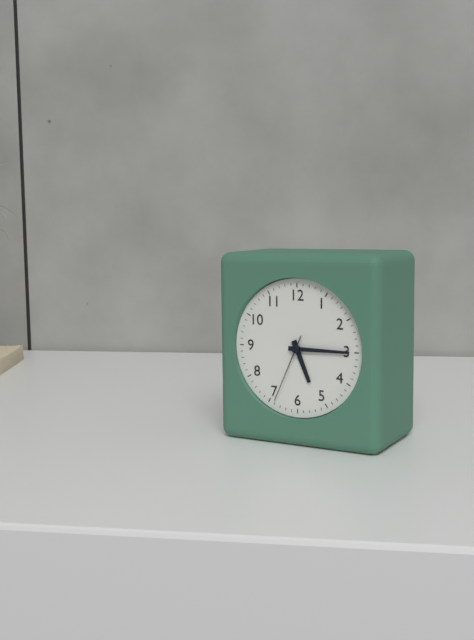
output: 5.15.34
